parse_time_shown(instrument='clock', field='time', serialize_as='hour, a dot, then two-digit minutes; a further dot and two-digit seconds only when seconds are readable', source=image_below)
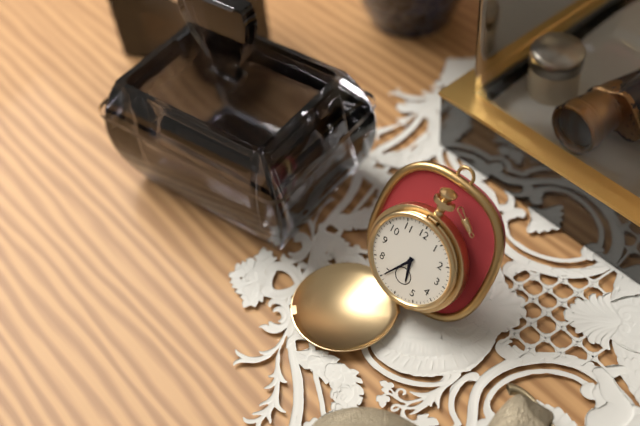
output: 5.35
